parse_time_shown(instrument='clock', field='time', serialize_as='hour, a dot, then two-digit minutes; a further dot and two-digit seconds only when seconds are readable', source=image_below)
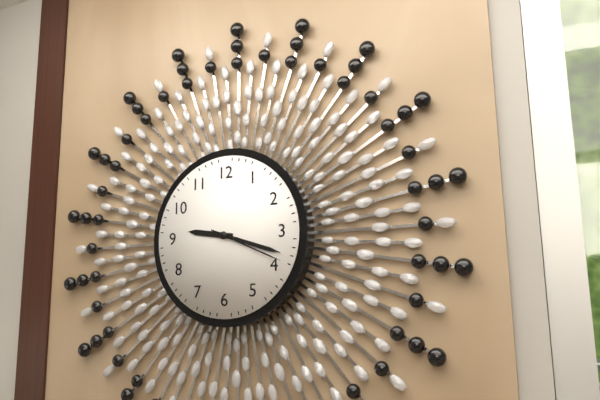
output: 9.18.19
